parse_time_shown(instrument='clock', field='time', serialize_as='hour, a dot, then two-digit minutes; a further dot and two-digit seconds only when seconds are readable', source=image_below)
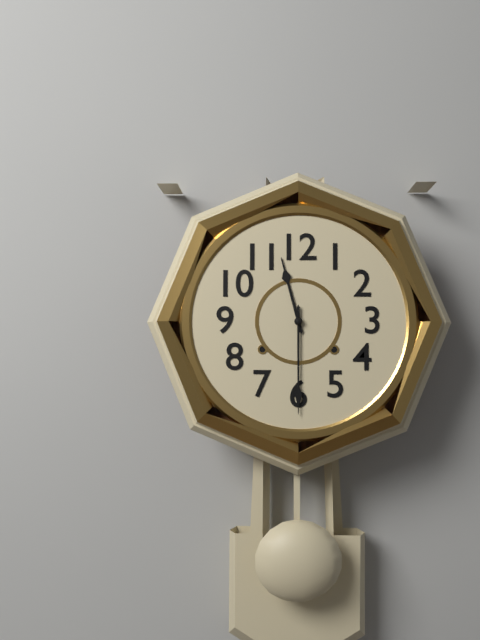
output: 11.30
